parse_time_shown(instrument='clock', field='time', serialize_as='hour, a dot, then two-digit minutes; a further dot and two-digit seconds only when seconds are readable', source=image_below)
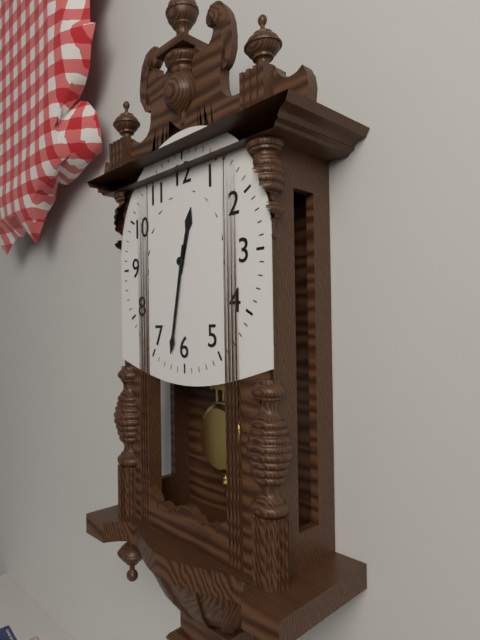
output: 12.32
